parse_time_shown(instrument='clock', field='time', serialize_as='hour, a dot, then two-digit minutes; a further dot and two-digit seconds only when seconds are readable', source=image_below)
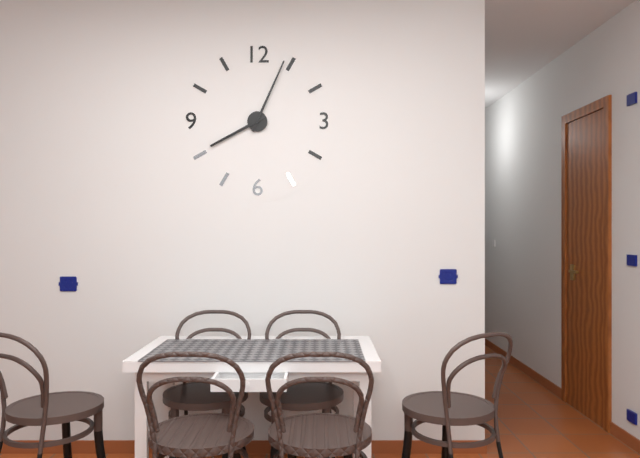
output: 8.04
